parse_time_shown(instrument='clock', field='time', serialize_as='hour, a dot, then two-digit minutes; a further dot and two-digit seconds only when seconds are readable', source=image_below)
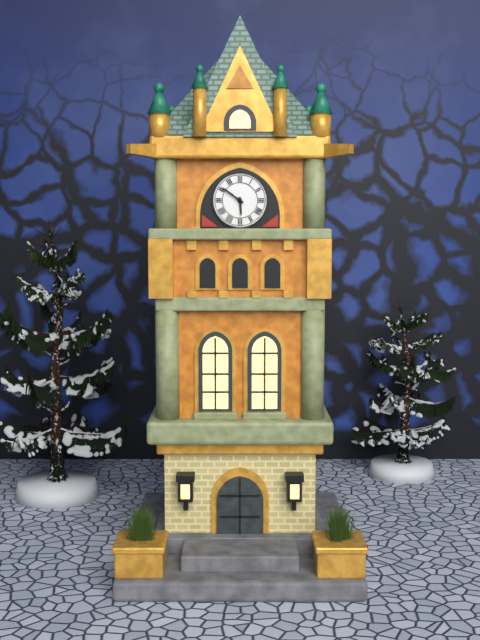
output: 5.51
